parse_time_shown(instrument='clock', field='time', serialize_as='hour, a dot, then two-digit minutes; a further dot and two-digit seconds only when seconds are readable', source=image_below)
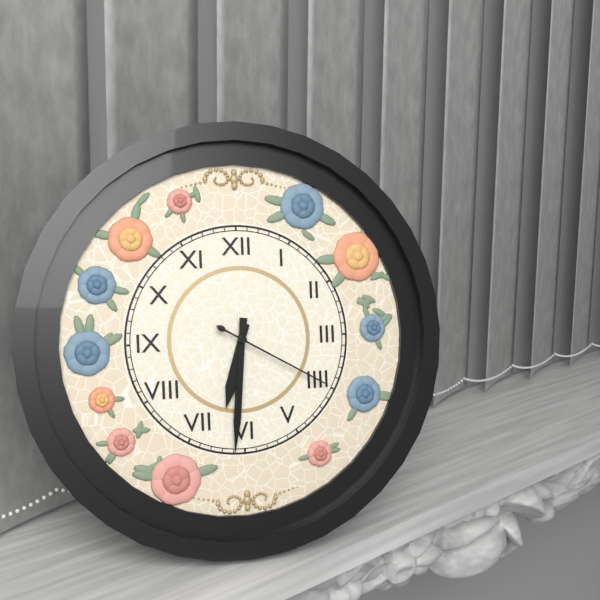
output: 6.31.20
